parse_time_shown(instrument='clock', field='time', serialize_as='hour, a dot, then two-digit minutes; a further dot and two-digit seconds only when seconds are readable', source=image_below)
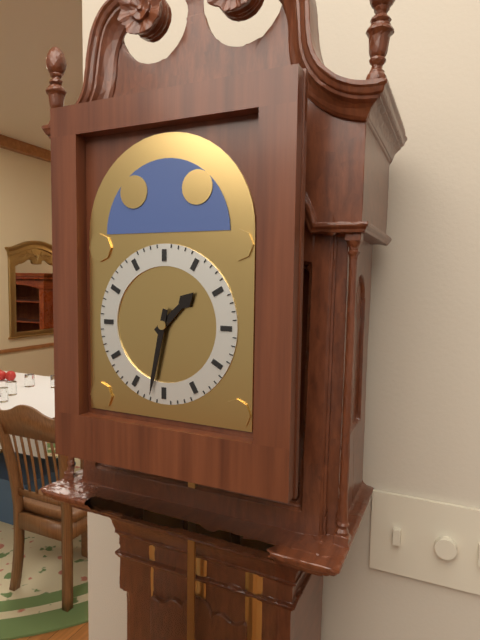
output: 1.32
